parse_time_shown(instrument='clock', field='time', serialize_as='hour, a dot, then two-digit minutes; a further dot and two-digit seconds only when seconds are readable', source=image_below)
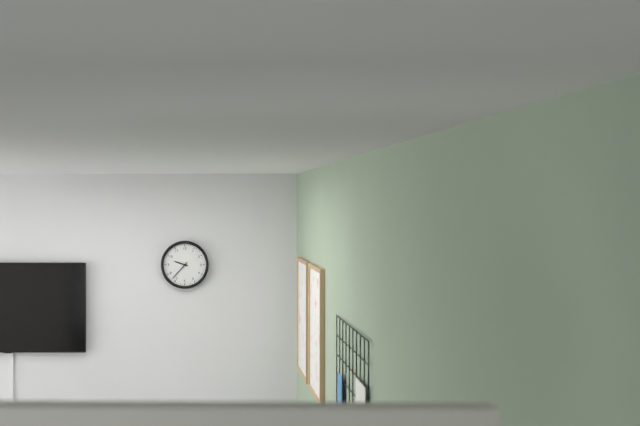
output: 9.37
